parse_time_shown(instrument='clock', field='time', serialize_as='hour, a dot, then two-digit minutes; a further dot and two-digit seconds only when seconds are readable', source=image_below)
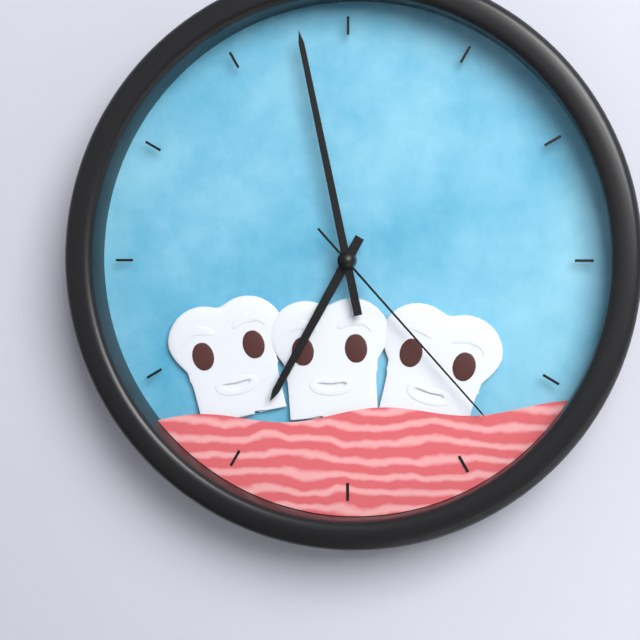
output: 6.58.23
